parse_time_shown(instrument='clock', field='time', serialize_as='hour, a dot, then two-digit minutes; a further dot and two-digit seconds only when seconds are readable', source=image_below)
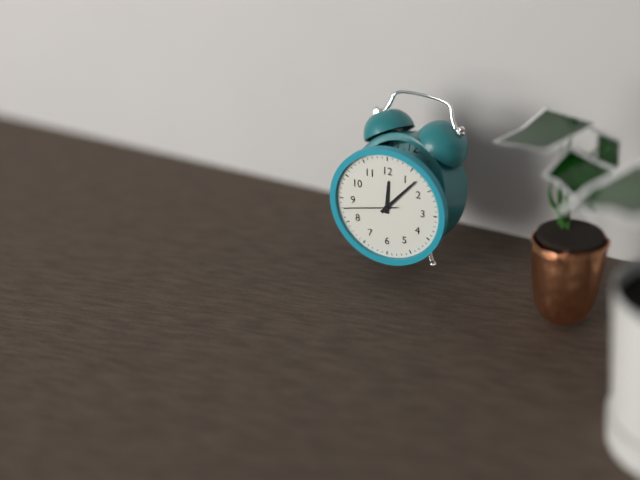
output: 12.07.43
